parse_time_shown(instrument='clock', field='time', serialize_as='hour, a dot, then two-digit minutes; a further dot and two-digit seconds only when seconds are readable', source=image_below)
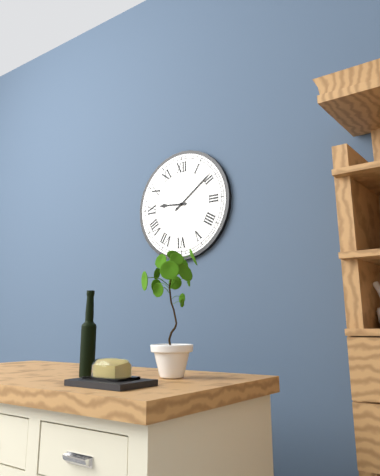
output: 9.09
